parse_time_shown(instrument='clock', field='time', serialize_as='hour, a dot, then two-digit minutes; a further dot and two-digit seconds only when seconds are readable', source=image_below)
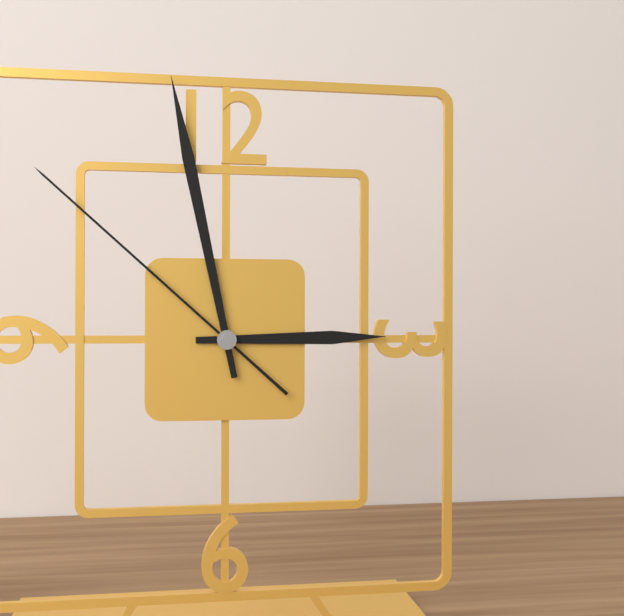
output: 2.58.52
